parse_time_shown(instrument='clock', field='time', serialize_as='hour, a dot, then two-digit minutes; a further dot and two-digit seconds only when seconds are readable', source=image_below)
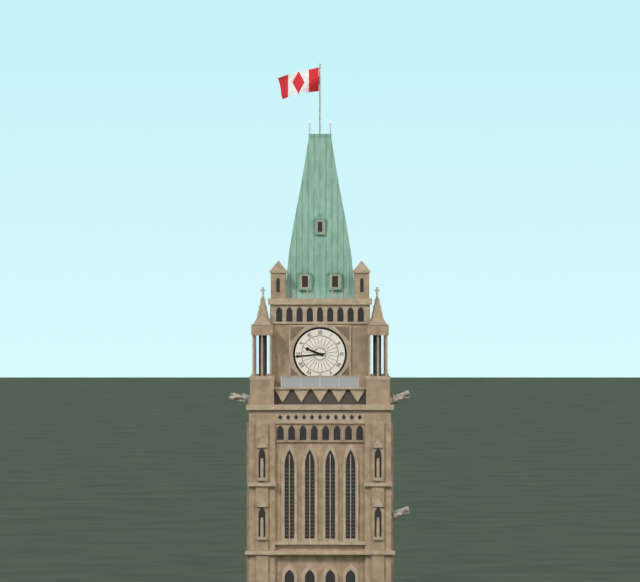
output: 9.44
